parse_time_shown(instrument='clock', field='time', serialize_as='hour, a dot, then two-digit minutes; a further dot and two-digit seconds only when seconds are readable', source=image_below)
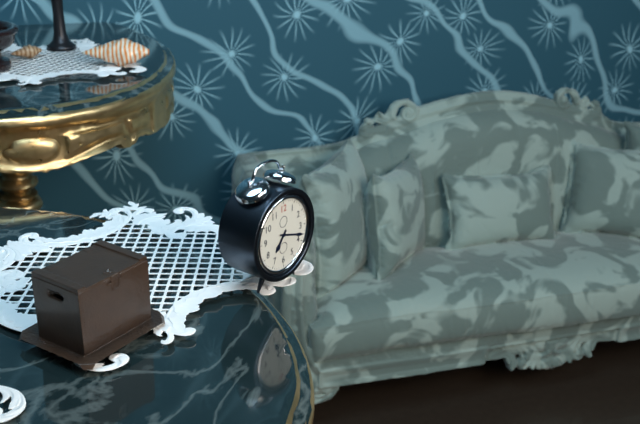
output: 7.18
